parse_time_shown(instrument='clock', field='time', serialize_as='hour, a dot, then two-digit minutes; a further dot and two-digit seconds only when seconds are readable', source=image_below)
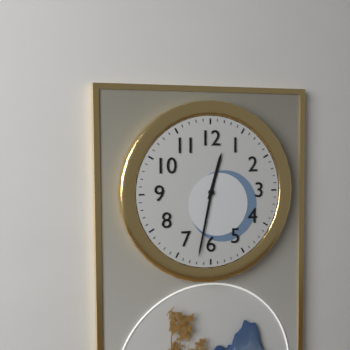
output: 12.32
